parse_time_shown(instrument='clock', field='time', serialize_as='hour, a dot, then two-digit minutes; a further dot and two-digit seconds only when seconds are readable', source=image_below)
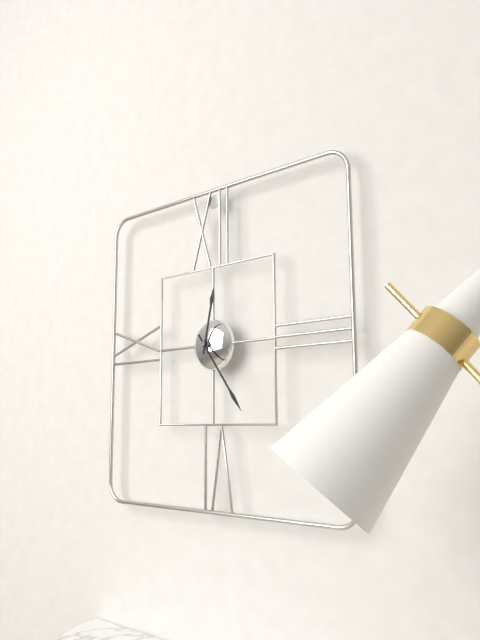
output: 12.24
